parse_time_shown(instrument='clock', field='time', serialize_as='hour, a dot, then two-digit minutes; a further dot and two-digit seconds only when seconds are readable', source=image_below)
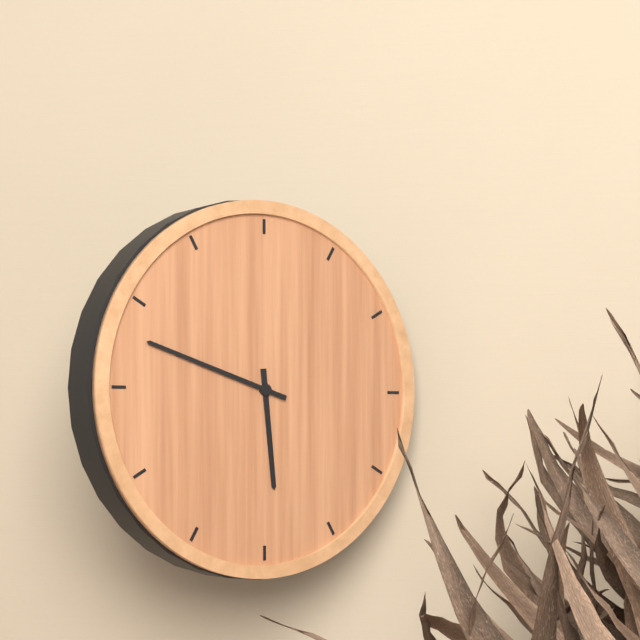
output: 5.48
